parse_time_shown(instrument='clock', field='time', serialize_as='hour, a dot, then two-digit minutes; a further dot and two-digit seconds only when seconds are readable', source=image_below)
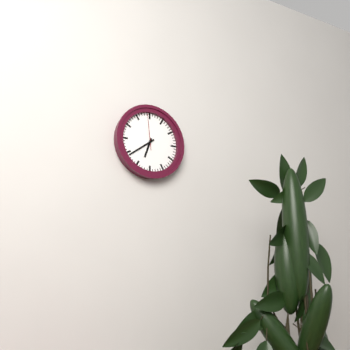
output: 6.39
